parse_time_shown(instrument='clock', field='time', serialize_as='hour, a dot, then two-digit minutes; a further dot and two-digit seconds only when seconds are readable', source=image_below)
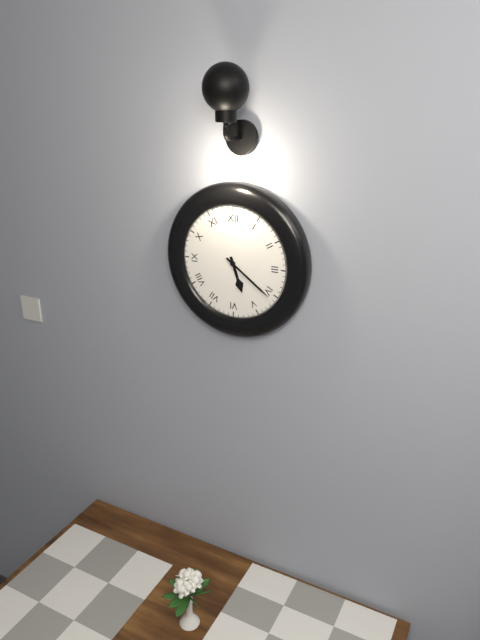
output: 5.21
